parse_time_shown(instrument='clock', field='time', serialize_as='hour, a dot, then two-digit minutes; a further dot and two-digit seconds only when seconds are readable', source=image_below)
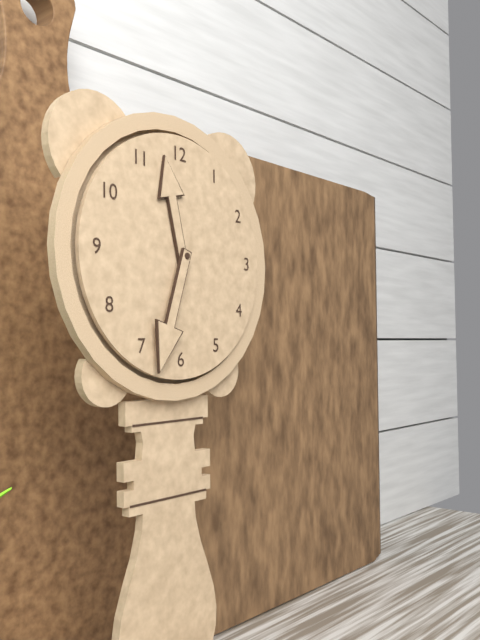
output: 11.33
